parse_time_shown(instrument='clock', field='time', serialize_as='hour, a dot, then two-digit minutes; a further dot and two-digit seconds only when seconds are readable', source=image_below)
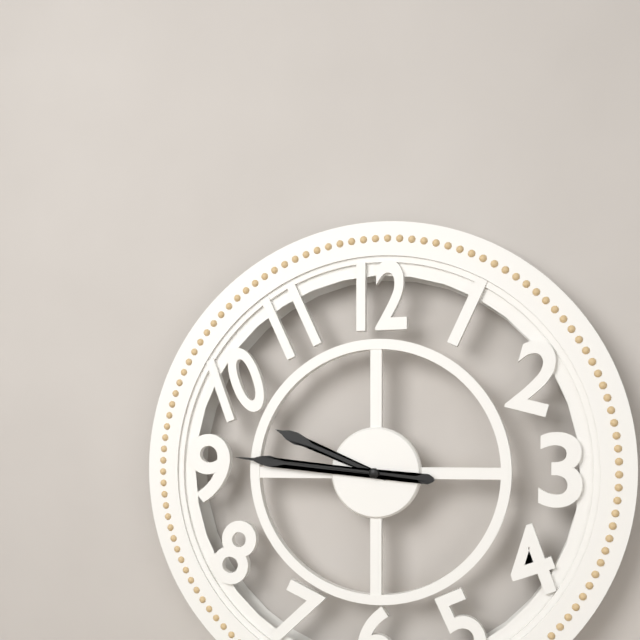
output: 9.46
